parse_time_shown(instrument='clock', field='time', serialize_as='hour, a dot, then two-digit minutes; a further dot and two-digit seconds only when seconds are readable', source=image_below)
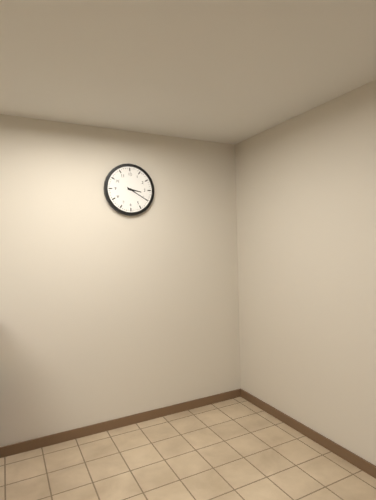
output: 3.20
